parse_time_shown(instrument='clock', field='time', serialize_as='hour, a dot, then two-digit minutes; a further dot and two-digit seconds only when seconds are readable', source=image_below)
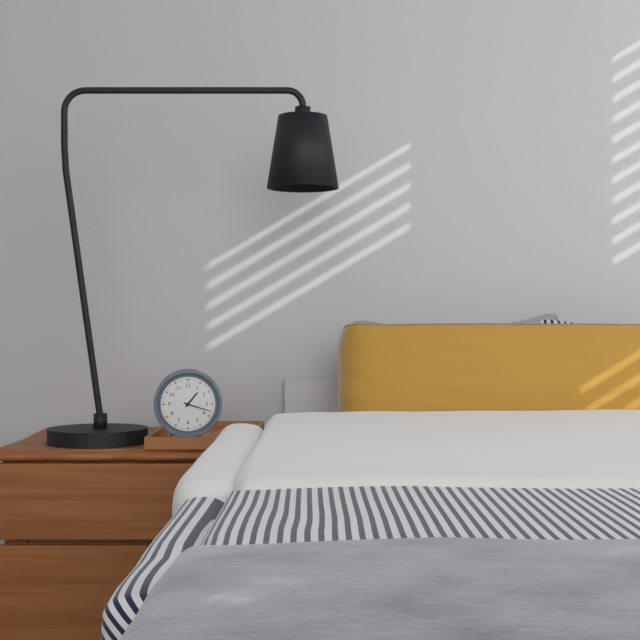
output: 1.18
